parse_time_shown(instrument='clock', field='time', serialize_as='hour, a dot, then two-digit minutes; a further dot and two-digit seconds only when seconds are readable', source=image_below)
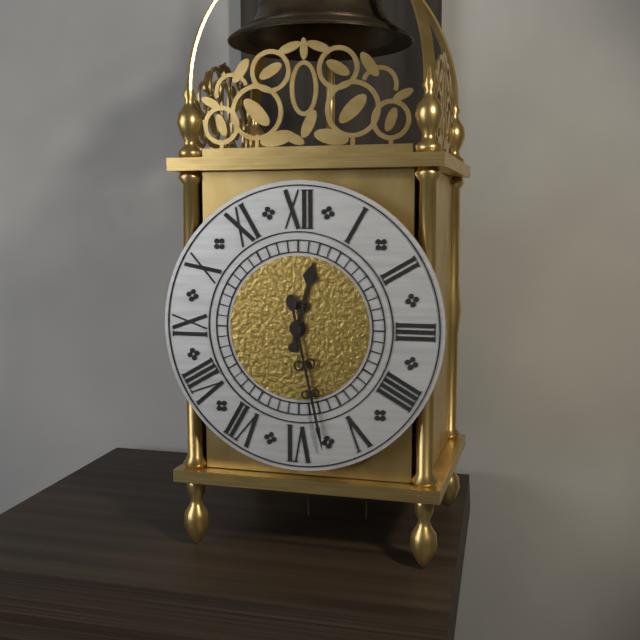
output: 12.28
